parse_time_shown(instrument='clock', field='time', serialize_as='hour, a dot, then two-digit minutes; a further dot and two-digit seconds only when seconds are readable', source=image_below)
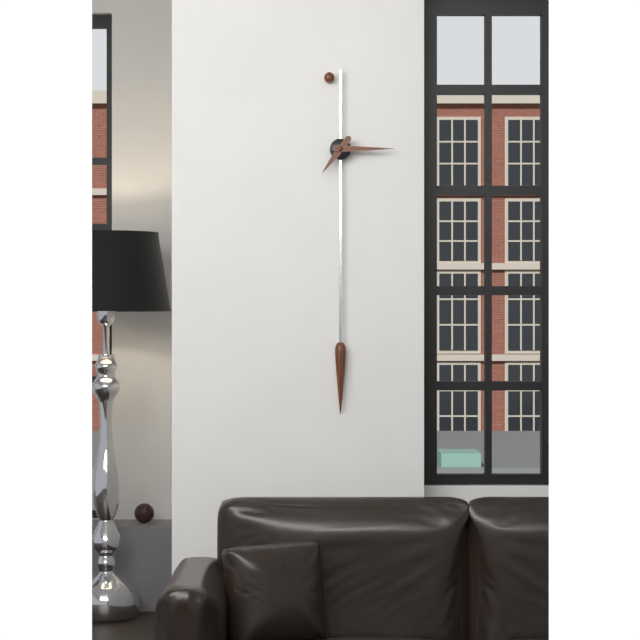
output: 7.15
